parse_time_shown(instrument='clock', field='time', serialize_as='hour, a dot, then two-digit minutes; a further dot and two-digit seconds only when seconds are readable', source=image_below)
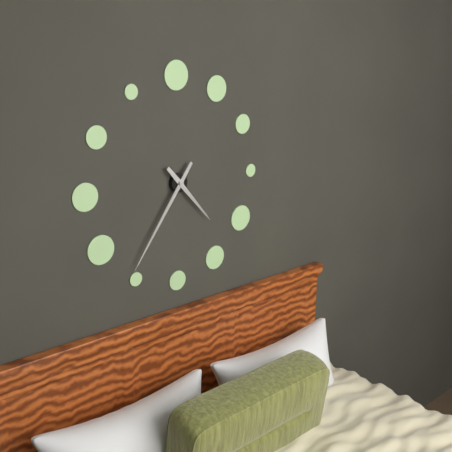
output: 4.36
